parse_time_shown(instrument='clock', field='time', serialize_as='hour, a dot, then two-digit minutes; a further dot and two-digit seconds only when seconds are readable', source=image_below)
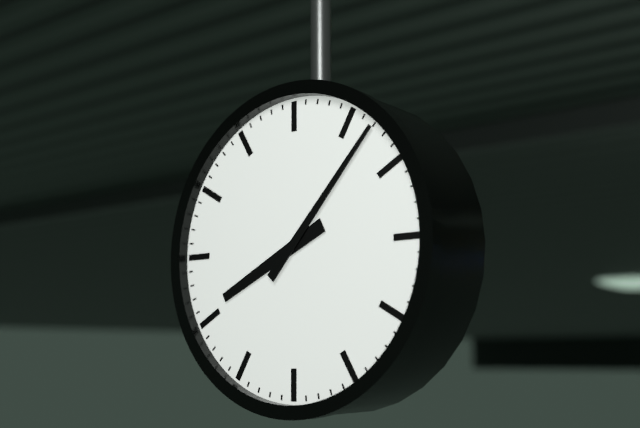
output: 8.07
